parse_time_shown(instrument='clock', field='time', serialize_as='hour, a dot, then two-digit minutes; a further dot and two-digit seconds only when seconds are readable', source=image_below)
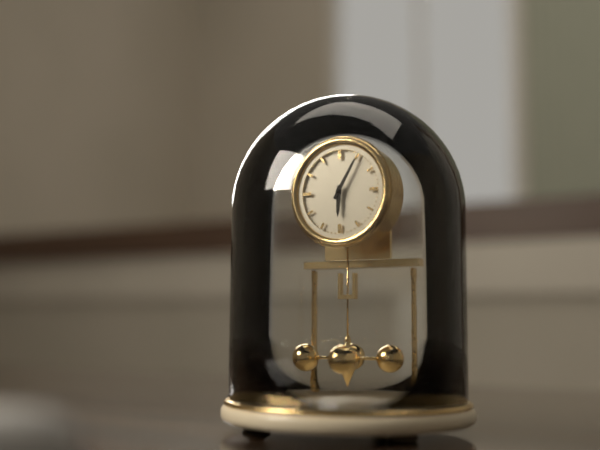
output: 6.05
